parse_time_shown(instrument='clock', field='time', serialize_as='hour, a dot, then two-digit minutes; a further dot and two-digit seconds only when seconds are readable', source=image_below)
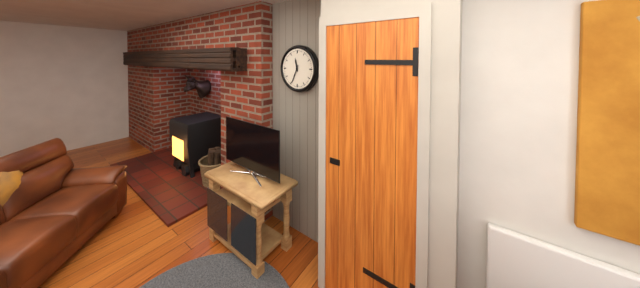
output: 11.34
